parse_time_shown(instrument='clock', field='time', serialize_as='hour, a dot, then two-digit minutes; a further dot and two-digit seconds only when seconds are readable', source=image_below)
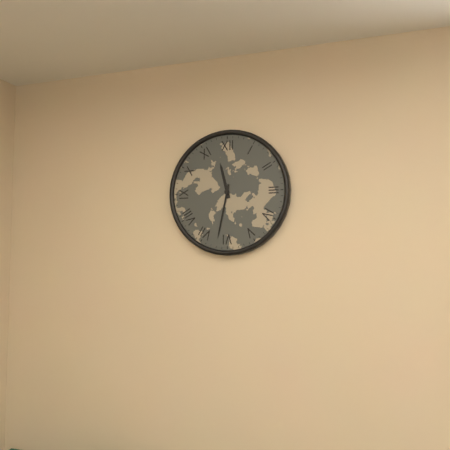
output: 11.32
